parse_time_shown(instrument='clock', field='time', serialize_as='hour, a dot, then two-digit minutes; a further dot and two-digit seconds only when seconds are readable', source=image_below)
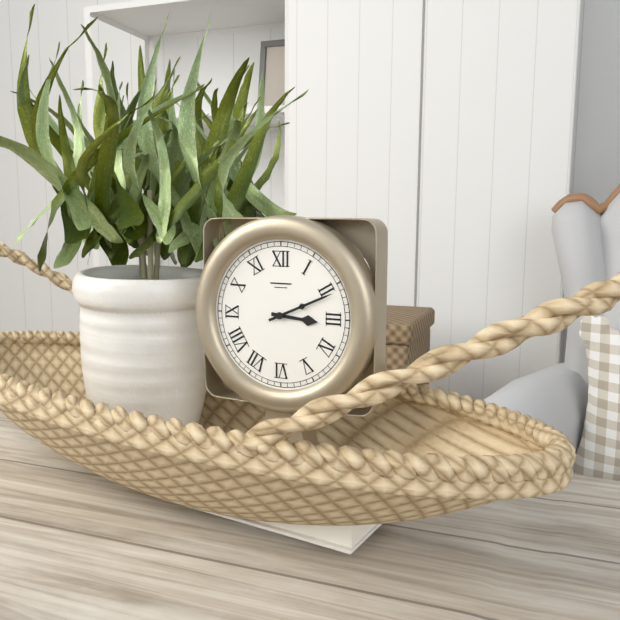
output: 3.11
